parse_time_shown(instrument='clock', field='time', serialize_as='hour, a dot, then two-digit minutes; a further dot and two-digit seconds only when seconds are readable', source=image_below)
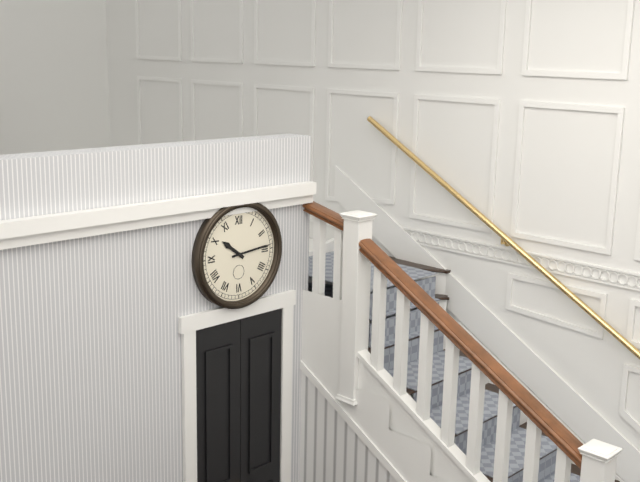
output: 10.14
